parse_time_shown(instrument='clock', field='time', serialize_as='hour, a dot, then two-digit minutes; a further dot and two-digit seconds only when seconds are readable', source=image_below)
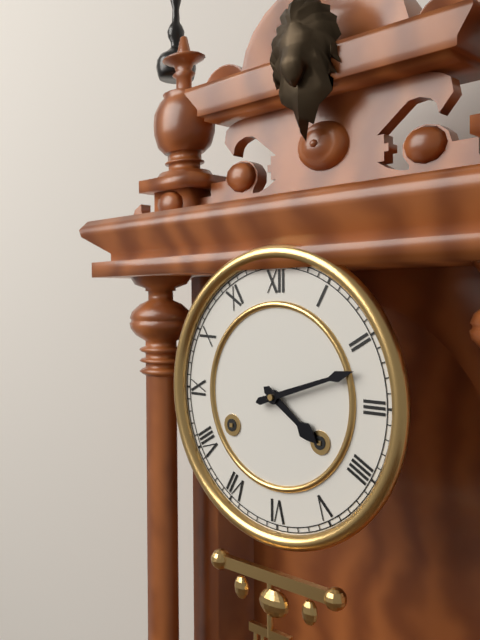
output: 4.12
